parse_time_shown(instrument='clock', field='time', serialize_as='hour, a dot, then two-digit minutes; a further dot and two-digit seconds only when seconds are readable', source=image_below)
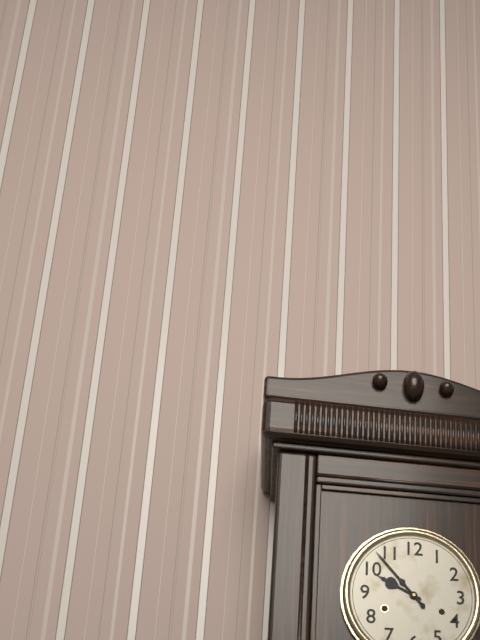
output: 9.53
